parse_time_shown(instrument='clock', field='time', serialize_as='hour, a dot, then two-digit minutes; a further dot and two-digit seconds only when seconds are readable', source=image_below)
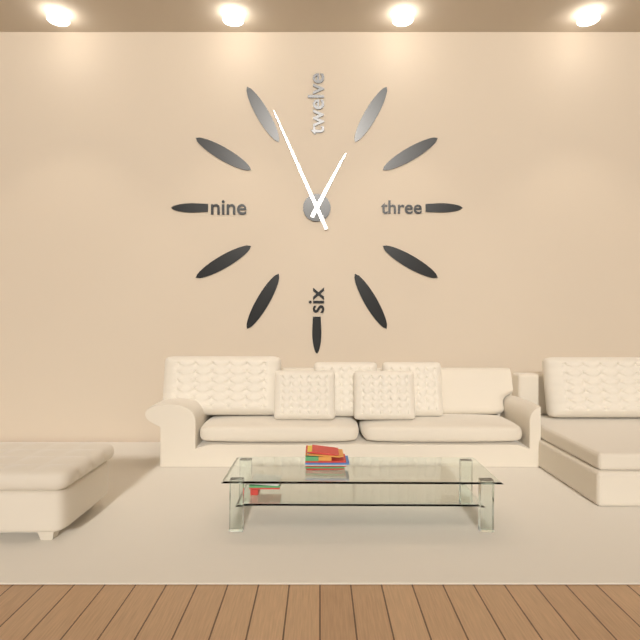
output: 12.56
